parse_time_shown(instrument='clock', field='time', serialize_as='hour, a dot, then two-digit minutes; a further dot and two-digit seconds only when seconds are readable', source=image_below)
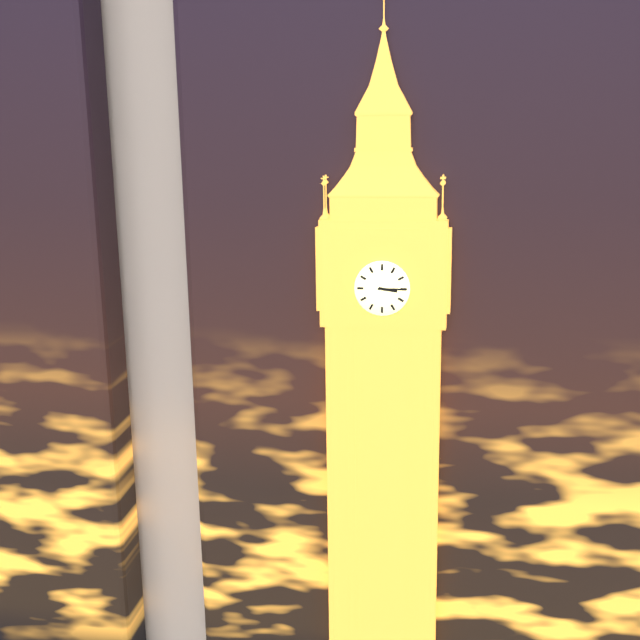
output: 3.15
